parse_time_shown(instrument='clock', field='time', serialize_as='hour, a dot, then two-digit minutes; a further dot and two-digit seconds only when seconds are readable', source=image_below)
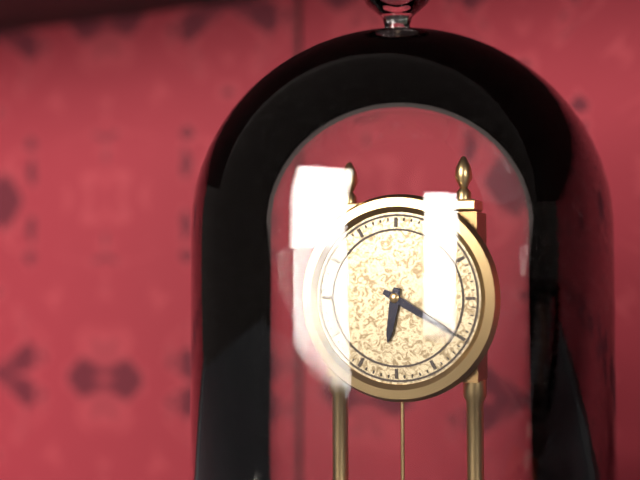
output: 6.20
